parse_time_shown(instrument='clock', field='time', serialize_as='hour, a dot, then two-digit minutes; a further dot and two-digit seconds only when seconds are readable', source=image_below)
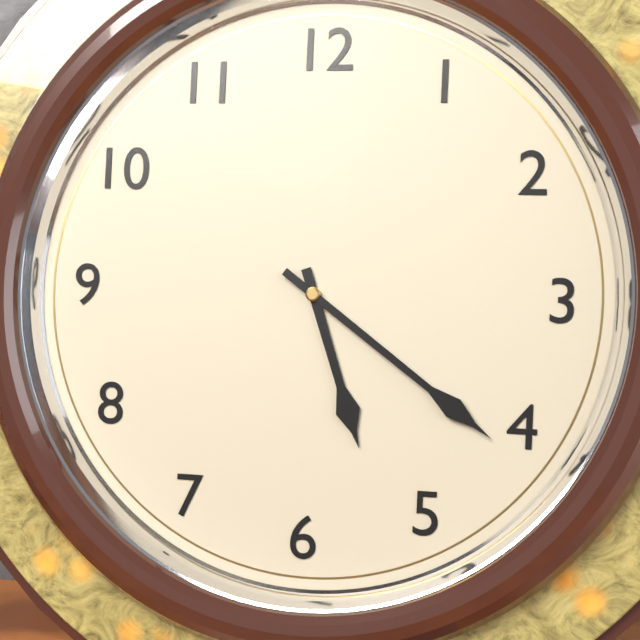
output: 5.21
